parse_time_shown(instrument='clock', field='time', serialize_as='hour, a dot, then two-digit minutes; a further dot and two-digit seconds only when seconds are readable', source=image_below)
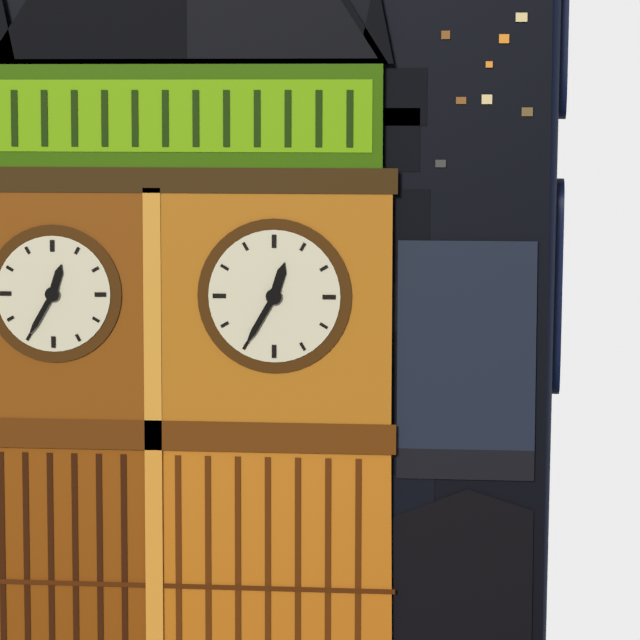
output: 12.35
